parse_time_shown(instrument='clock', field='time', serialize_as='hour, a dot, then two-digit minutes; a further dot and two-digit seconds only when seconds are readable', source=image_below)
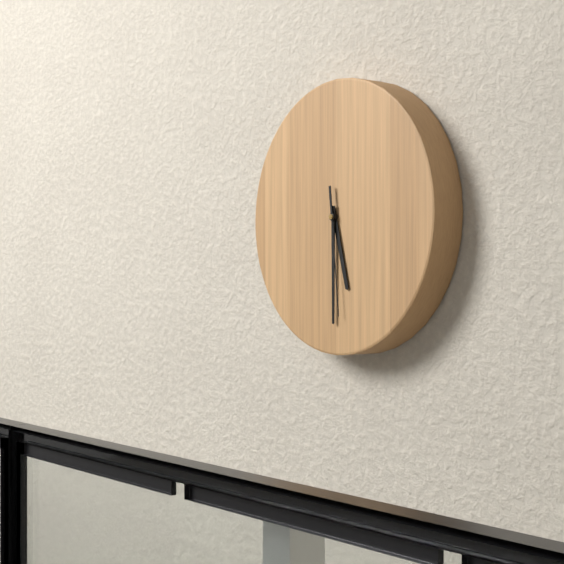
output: 5.30.29
